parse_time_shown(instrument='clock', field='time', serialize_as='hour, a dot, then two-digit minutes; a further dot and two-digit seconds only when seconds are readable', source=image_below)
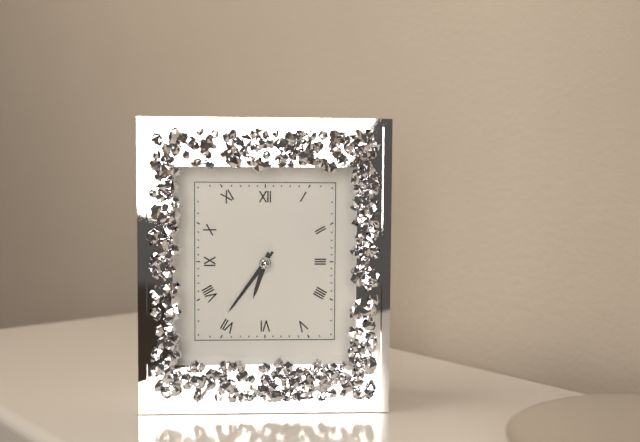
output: 6.36
